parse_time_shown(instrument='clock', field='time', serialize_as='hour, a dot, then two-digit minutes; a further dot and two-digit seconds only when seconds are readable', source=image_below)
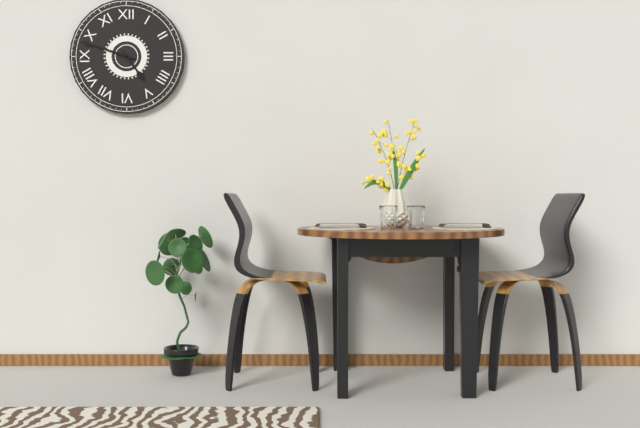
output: 4.48
